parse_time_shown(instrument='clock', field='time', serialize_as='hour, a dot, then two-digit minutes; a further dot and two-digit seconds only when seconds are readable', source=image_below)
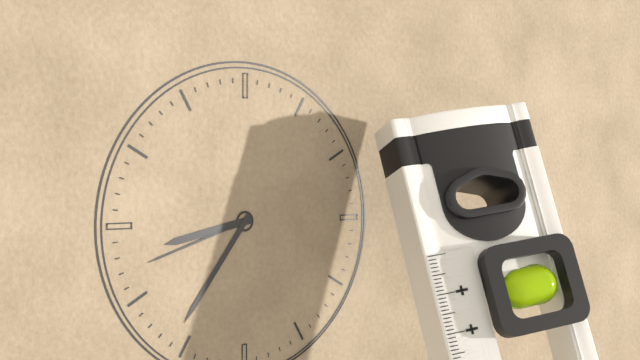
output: 8.36.42
